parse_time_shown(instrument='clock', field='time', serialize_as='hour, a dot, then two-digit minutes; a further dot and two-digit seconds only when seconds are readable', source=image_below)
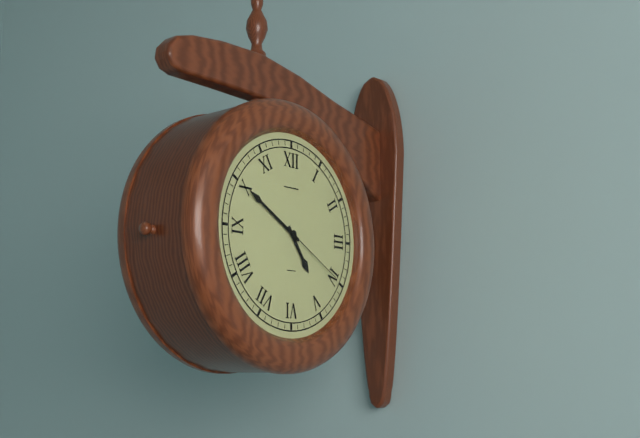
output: 4.50.20
